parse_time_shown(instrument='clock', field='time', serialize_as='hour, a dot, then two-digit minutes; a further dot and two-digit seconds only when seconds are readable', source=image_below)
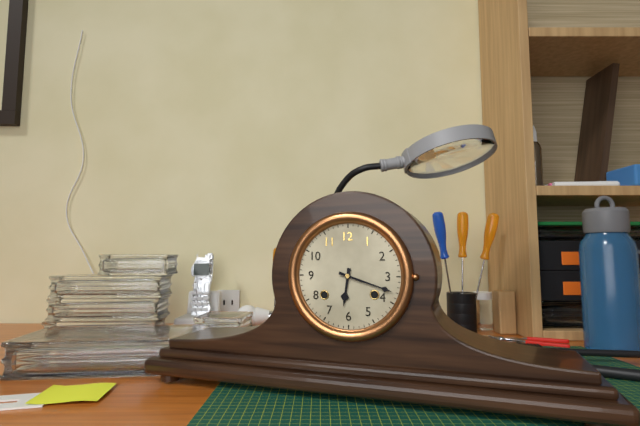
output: 6.18
